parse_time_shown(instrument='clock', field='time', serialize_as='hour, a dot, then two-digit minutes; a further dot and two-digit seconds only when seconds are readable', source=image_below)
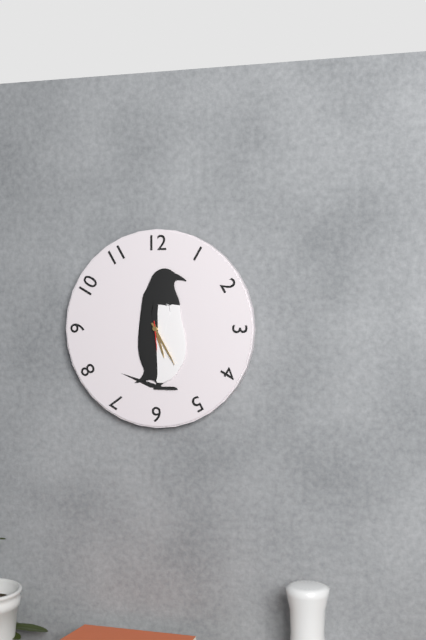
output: 5.25
